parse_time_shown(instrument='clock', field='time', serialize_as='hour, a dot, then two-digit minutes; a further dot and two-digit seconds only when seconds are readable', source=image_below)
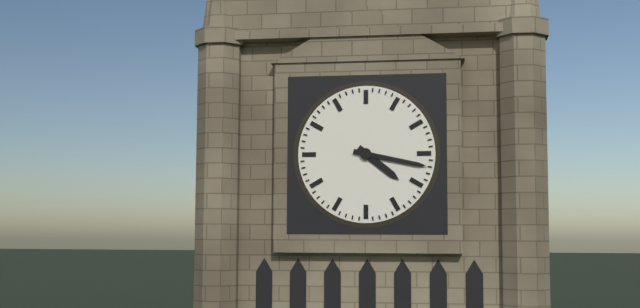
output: 4.17
